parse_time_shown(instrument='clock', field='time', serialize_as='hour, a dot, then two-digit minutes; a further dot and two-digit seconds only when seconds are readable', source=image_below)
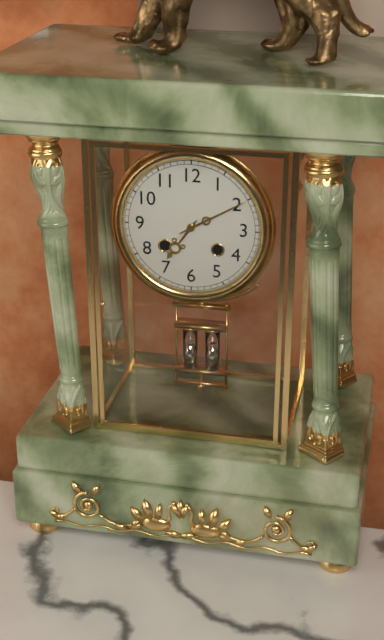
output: 7.10
